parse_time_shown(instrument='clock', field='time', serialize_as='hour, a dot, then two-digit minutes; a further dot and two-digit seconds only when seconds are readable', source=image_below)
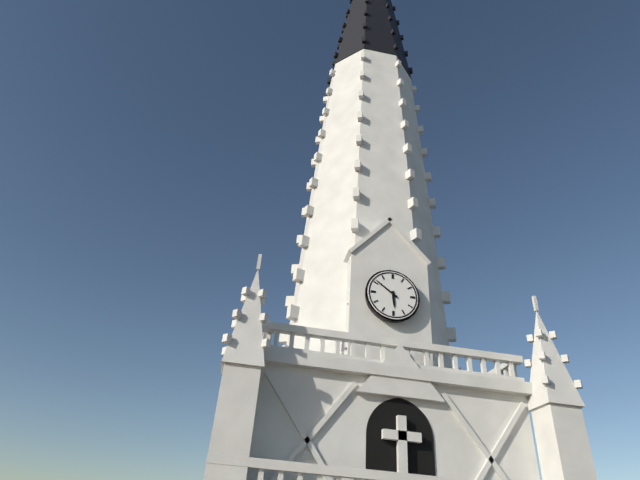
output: 5.51
